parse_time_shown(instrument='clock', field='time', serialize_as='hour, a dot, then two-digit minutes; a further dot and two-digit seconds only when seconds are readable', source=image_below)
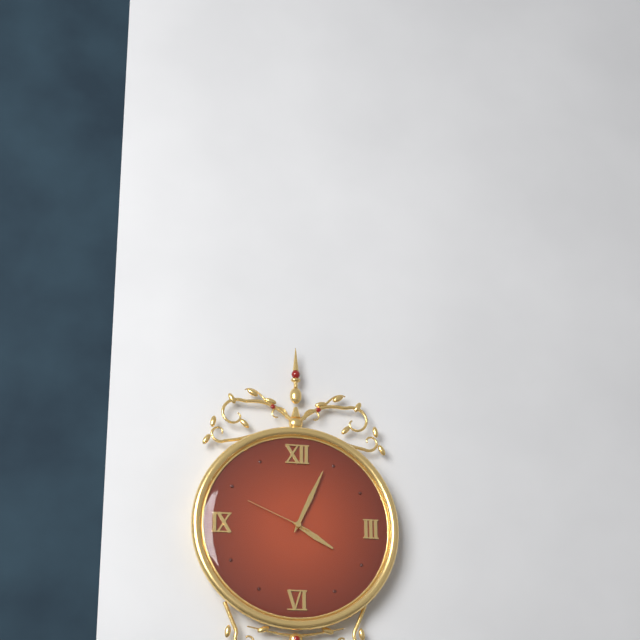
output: 4.04.49
